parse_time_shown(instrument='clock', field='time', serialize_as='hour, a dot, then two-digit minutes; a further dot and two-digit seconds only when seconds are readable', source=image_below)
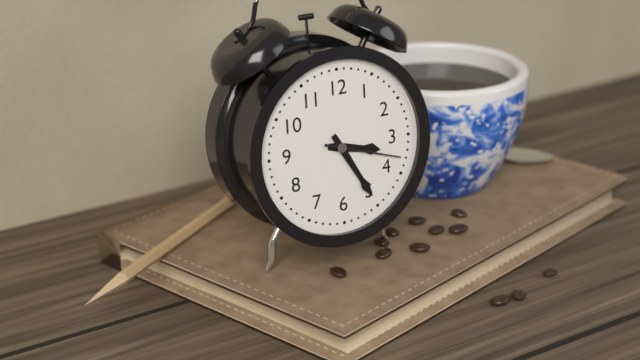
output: 3.25.18
